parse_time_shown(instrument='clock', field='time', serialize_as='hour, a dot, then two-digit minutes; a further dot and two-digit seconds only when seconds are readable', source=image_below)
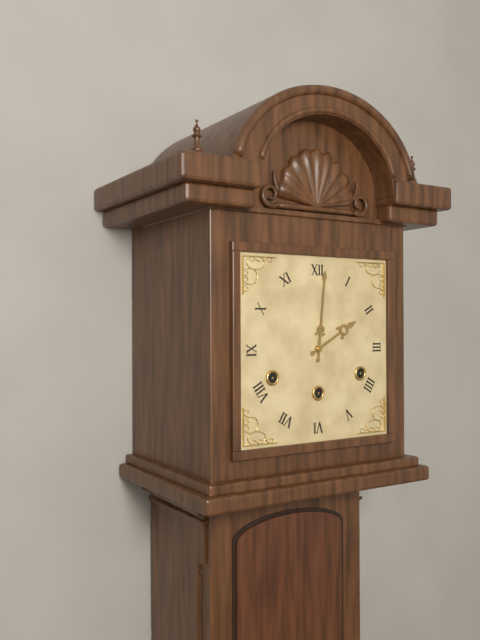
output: 2.01
